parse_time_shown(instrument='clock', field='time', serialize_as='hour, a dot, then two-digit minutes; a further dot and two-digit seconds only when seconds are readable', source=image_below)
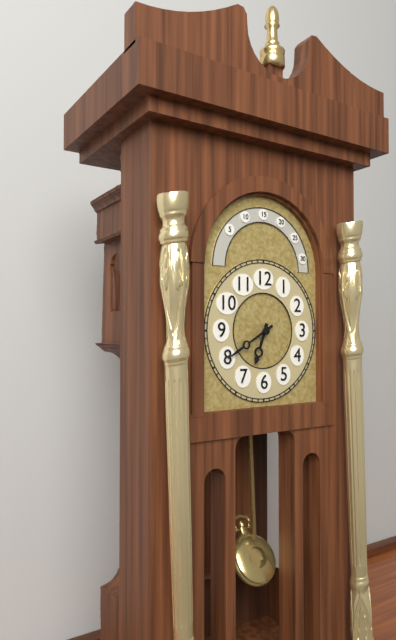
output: 6.40
